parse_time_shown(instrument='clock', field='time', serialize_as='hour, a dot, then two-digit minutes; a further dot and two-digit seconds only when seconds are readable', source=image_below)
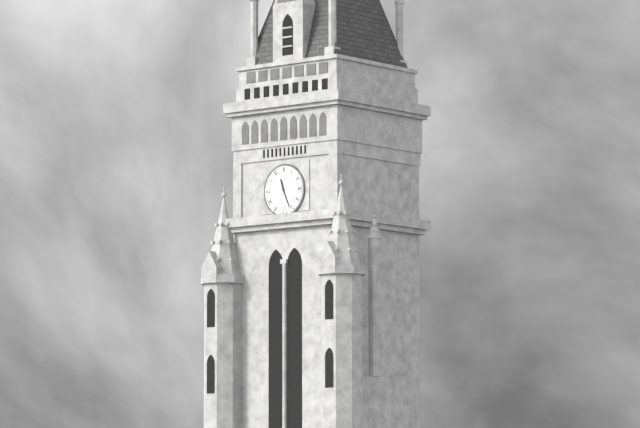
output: 11.26
